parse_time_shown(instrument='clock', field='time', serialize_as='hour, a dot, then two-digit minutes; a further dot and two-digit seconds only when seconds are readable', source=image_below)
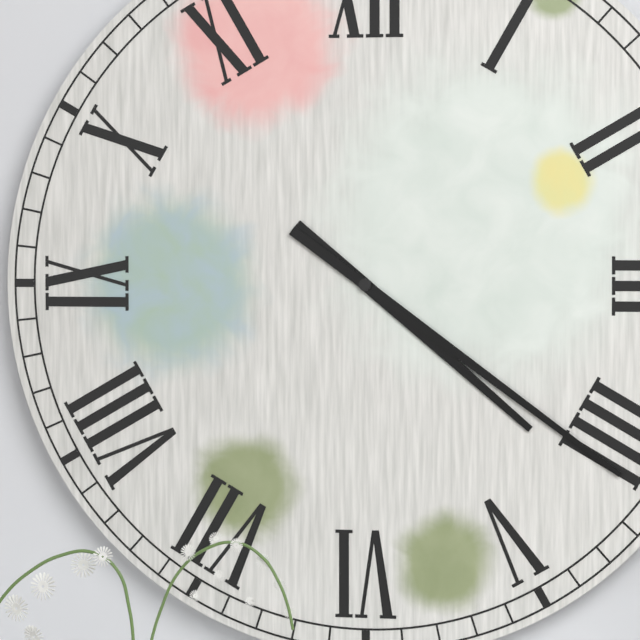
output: 4.21
